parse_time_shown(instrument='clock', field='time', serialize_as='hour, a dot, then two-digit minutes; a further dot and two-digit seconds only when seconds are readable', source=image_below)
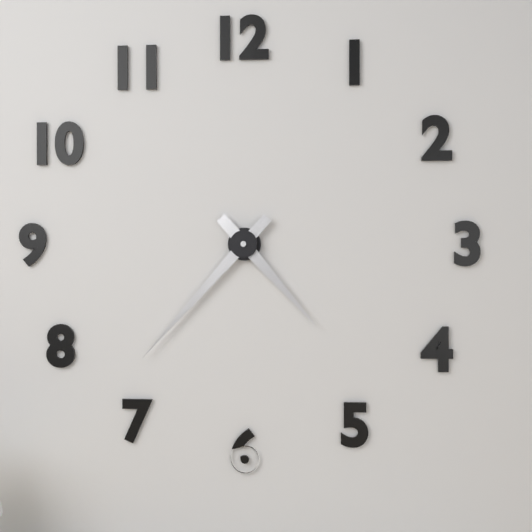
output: 4.37
